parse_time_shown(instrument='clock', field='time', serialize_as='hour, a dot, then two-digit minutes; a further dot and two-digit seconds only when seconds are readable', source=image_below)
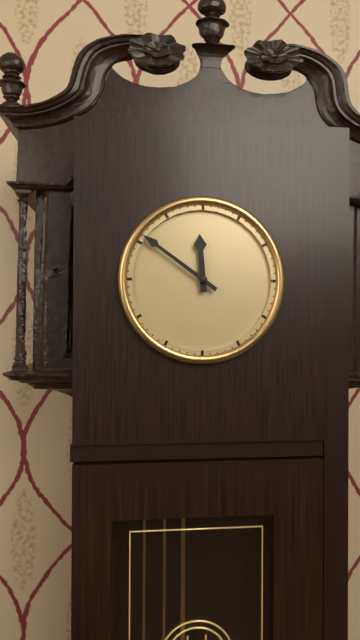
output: 11.51
